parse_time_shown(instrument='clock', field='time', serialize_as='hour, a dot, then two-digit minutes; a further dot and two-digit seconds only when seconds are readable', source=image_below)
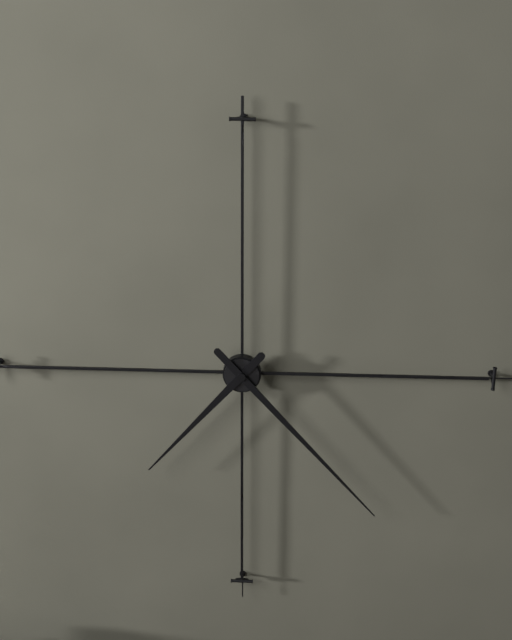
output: 7.23
